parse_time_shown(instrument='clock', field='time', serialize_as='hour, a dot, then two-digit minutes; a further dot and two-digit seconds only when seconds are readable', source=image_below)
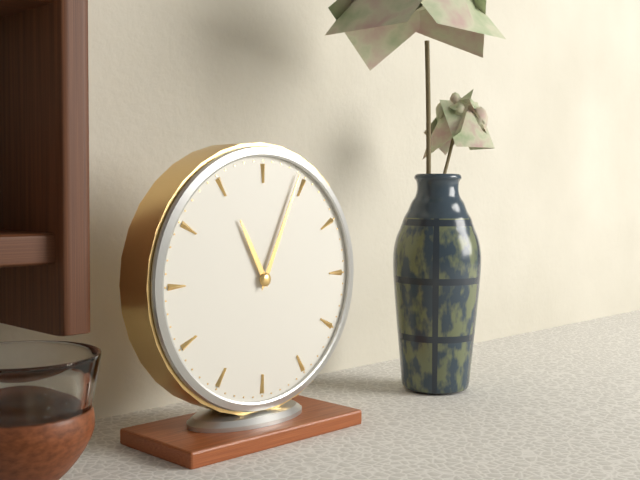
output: 11.04
